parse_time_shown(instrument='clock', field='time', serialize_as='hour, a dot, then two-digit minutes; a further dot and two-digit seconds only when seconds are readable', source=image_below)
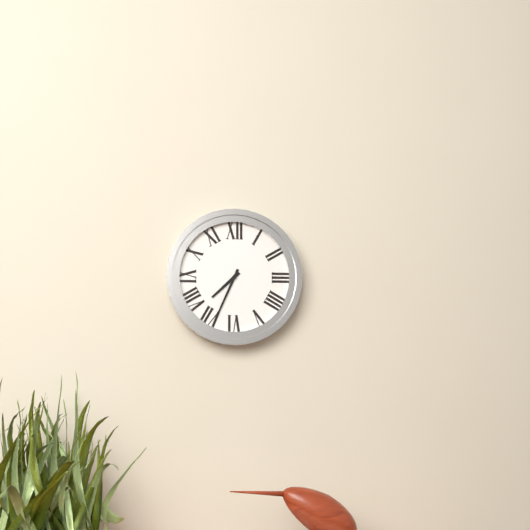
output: 7.34
